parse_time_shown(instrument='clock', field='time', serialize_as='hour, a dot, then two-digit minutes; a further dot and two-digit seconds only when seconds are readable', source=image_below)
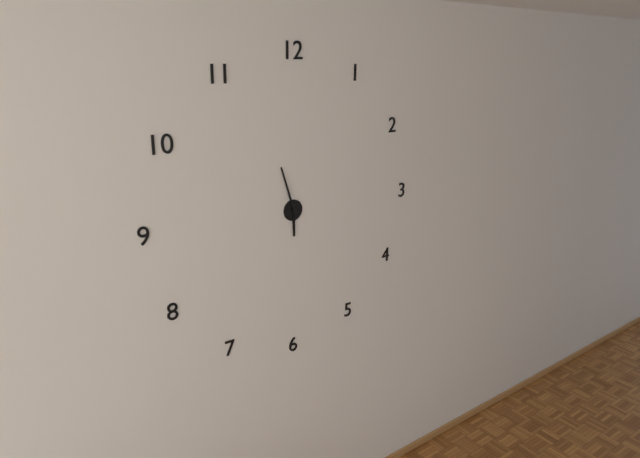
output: 5.57
